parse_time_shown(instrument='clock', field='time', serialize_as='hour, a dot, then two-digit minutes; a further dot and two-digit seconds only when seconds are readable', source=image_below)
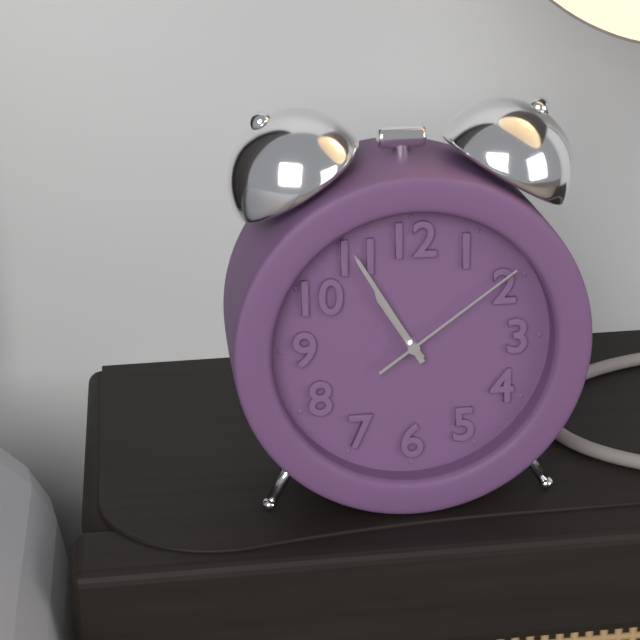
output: 10.55.09
